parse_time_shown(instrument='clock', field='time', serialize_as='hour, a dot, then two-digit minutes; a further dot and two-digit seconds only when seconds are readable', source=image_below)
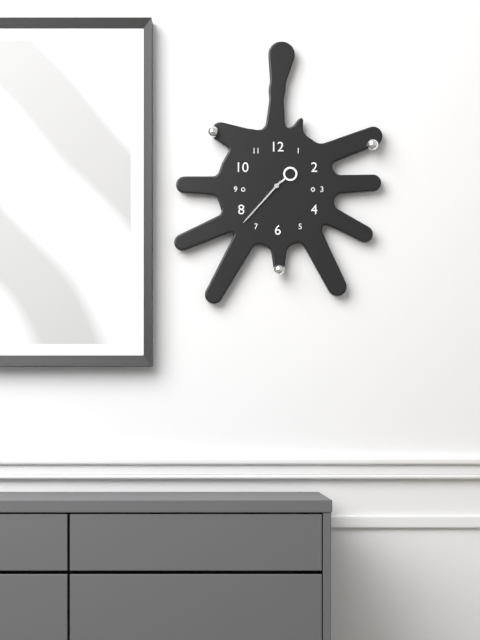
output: 1.37
